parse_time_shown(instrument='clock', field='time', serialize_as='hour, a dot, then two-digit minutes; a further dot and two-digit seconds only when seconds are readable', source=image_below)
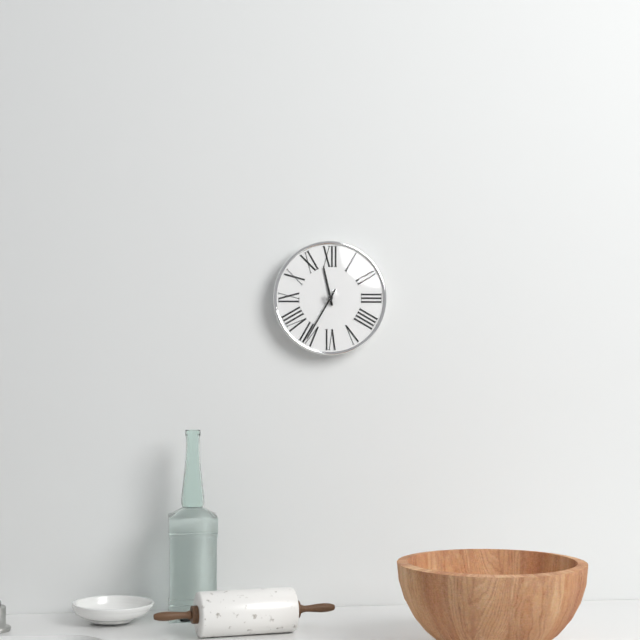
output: 11.35
